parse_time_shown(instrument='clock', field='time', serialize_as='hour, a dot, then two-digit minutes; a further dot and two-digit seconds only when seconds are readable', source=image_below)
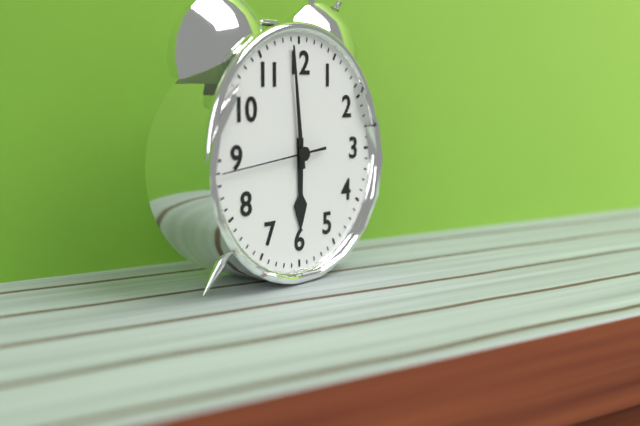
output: 5.59.44
